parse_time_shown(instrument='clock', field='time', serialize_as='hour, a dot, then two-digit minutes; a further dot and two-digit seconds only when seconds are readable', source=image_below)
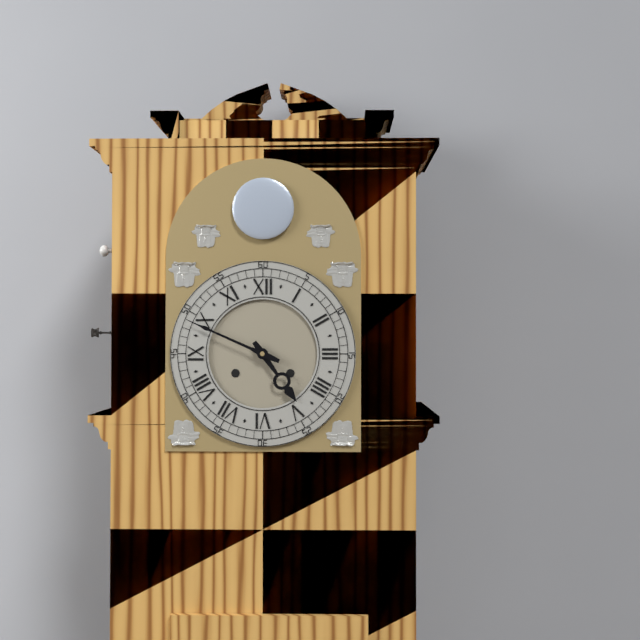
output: 4.49
